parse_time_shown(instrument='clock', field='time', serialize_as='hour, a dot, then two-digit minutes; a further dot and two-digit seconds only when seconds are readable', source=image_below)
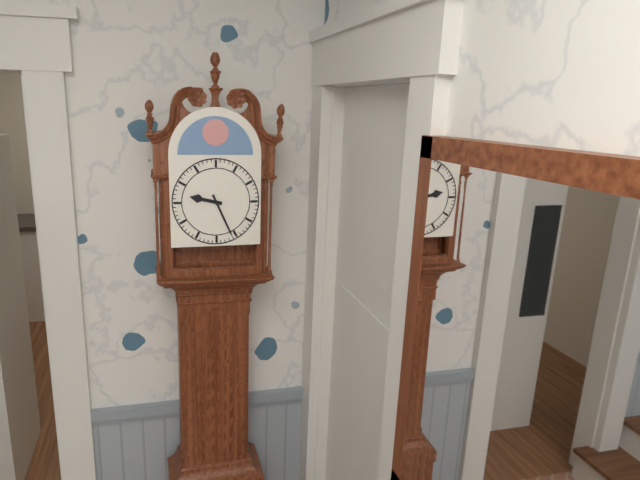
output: 9.26
